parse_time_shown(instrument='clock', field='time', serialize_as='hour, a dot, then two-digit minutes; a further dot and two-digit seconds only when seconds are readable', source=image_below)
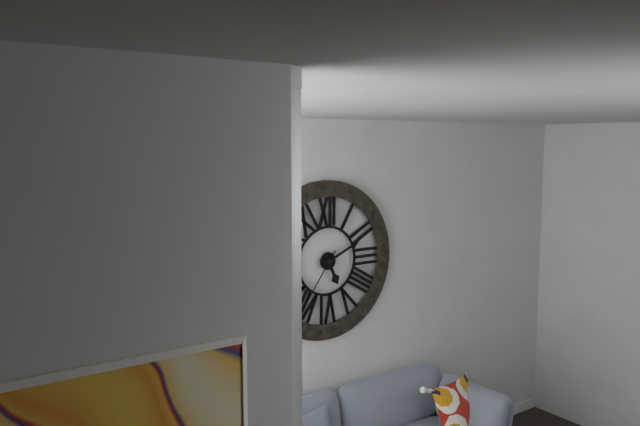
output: 5.11.36
